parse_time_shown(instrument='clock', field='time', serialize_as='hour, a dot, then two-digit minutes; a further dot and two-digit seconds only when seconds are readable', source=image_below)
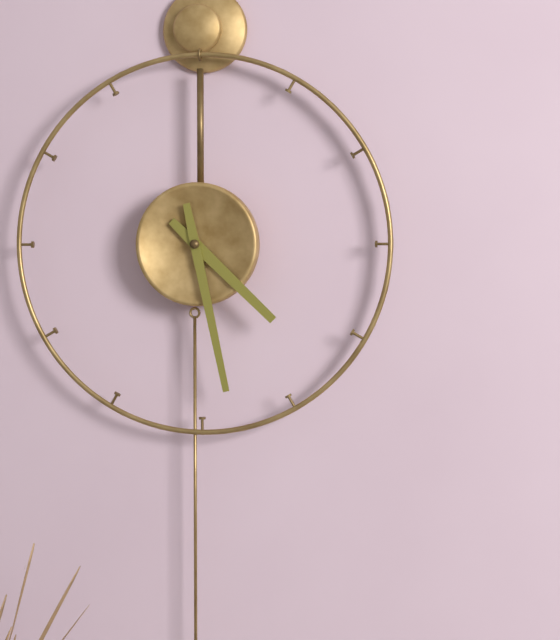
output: 4.28
